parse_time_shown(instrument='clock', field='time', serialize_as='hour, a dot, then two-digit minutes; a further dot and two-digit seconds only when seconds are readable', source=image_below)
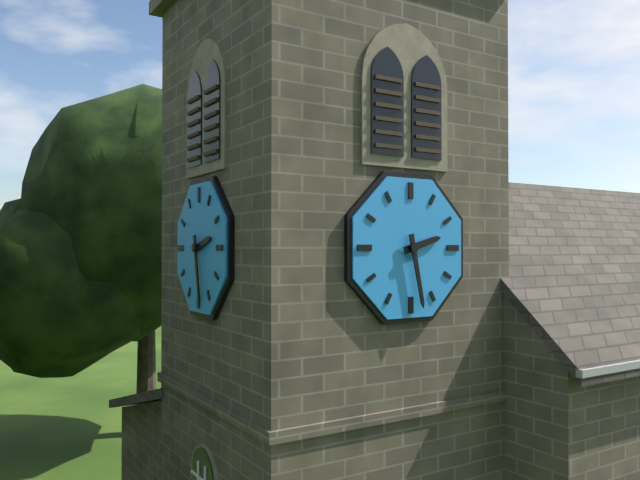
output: 2.28
